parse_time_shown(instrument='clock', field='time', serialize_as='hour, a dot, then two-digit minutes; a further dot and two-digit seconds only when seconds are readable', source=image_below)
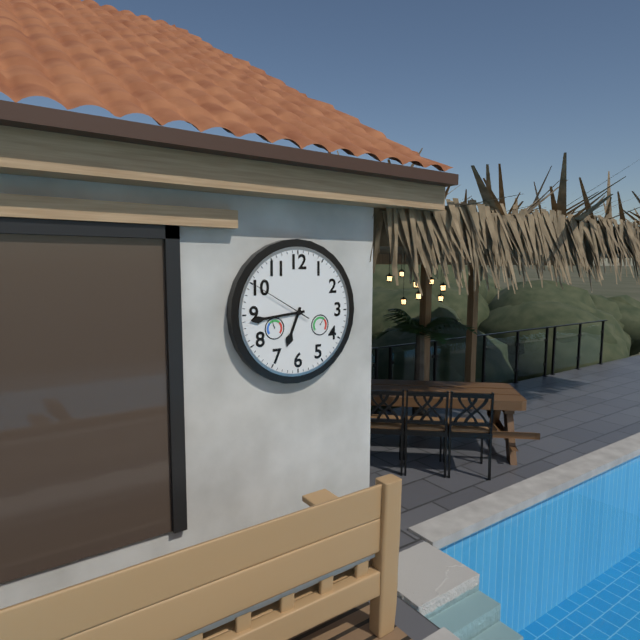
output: 6.44.50
